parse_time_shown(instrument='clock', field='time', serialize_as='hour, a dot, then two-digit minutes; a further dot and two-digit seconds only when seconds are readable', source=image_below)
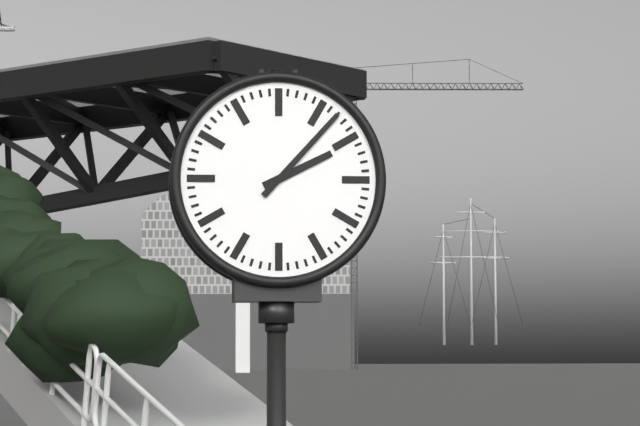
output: 2.07
